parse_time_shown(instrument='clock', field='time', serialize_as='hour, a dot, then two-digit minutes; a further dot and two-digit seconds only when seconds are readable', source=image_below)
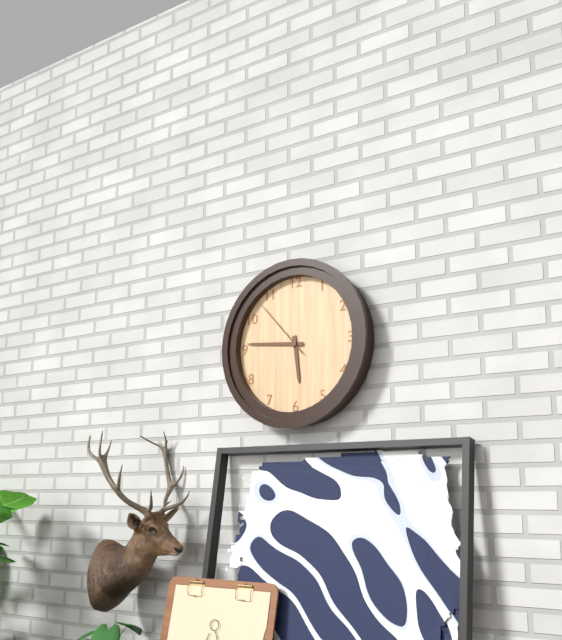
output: 5.46.53
